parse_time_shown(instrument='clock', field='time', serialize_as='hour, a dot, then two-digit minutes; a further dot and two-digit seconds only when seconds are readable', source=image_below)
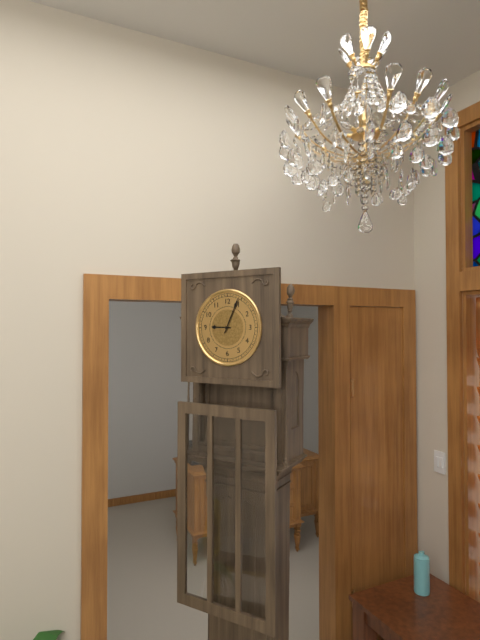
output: 9.04
